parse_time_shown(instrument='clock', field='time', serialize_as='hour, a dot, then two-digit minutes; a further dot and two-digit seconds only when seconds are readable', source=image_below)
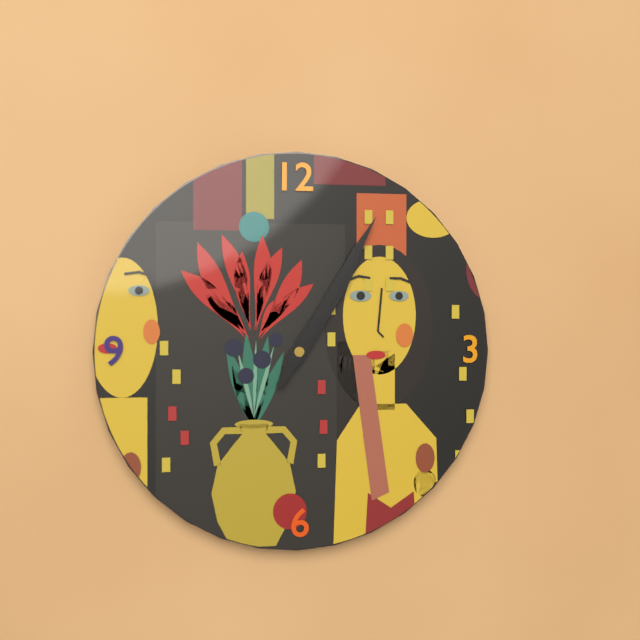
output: 1.05
